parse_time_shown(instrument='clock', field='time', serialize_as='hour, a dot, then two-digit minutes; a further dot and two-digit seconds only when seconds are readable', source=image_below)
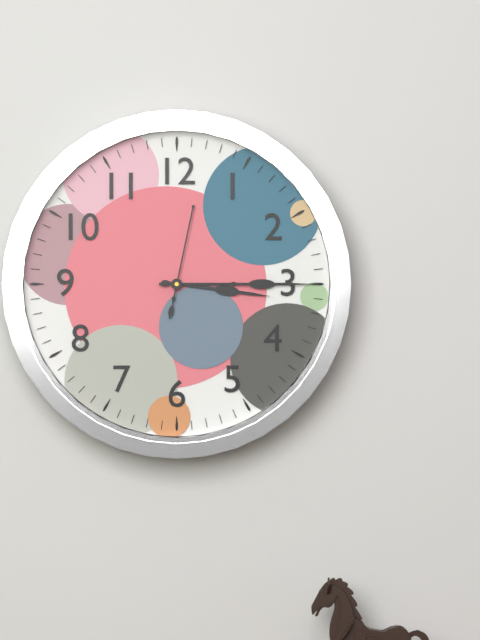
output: 3.15.02
